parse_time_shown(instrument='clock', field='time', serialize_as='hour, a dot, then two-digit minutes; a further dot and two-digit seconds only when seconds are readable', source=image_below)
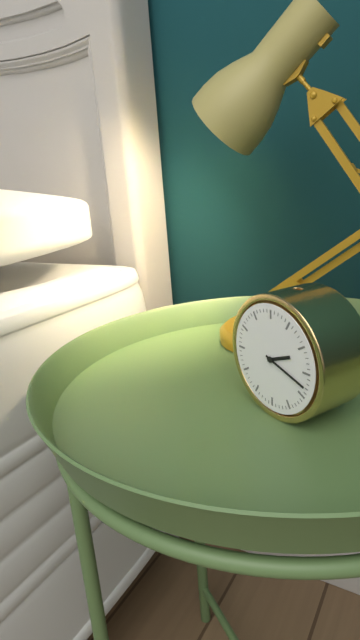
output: 2.18
